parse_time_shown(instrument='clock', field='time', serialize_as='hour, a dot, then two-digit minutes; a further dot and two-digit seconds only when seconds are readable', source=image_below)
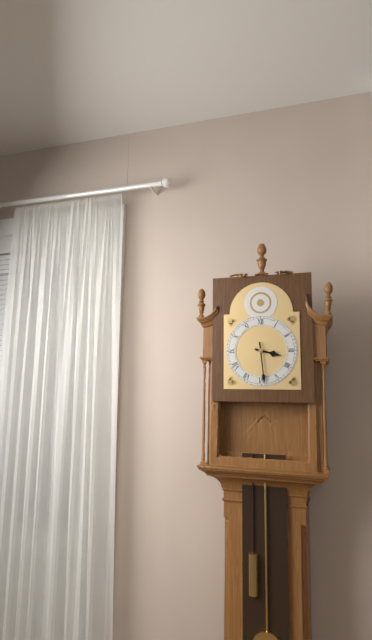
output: 3.29
